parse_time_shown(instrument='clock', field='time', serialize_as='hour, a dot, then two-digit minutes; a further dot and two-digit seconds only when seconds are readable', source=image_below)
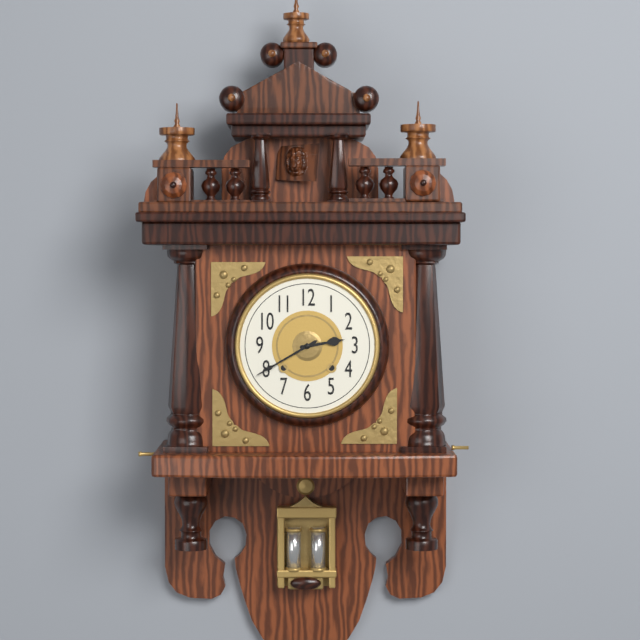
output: 2.40
